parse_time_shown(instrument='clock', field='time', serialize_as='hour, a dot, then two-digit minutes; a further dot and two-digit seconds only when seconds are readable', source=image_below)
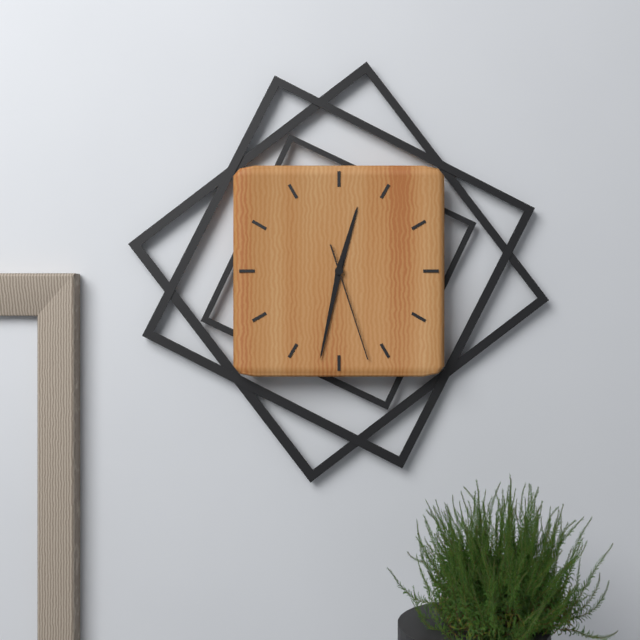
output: 12.32.27
